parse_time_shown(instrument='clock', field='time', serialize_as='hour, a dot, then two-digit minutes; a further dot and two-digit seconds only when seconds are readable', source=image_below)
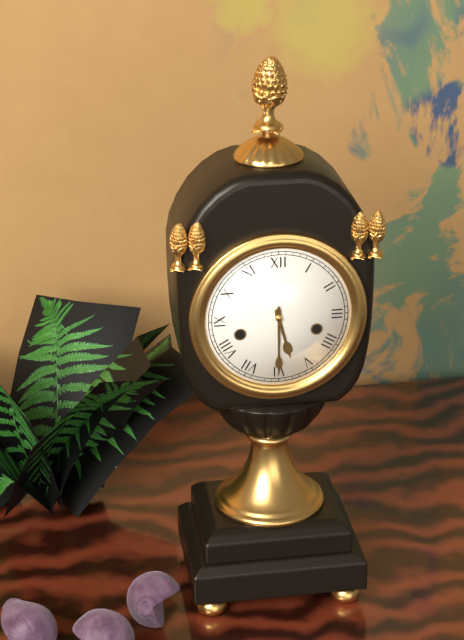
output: 5.30
